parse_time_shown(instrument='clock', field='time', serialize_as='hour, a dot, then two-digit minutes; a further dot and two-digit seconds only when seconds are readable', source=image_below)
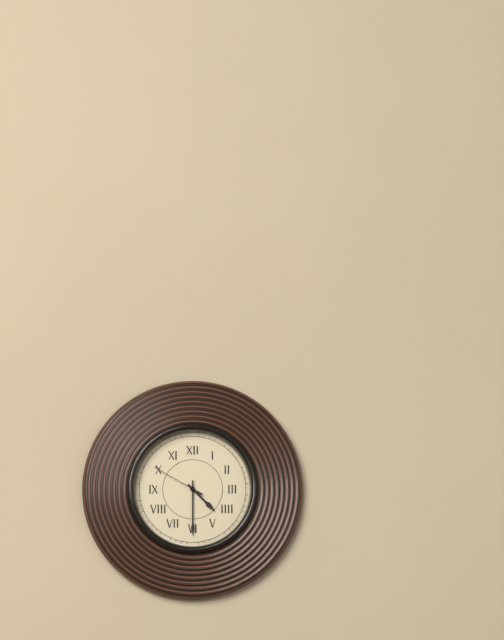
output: 4.30.50
